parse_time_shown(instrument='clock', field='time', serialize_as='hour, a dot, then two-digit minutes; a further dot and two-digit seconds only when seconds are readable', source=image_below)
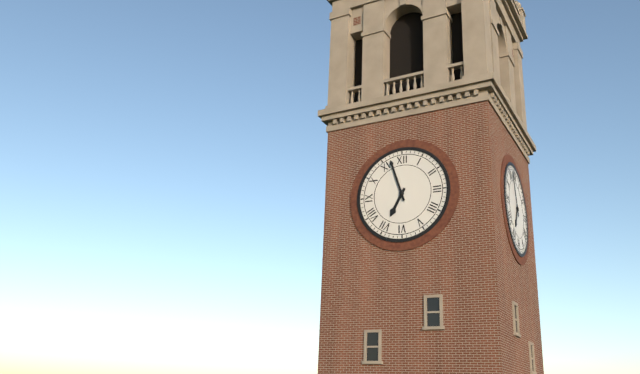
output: 6.57
